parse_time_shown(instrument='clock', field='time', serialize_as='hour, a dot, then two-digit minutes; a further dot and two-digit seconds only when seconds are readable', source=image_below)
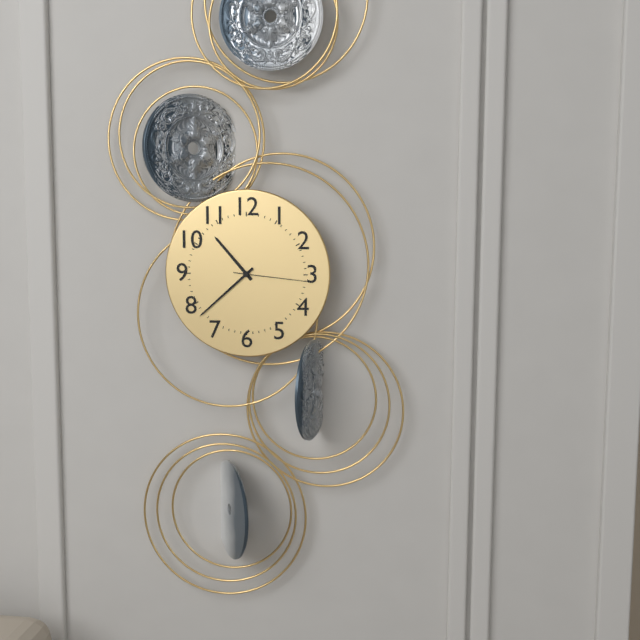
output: 10.38.16
